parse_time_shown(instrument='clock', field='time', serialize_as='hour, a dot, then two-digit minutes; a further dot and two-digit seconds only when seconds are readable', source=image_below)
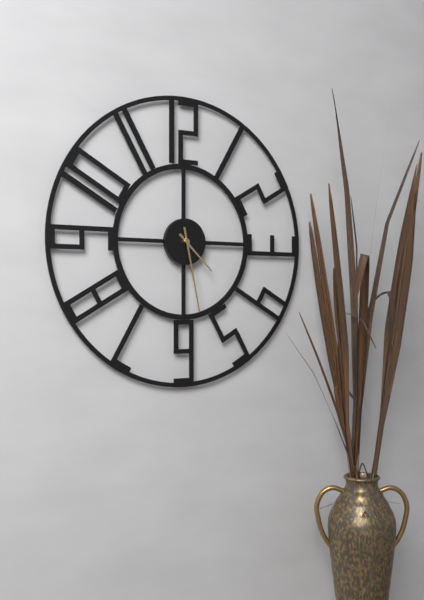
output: 4.28
